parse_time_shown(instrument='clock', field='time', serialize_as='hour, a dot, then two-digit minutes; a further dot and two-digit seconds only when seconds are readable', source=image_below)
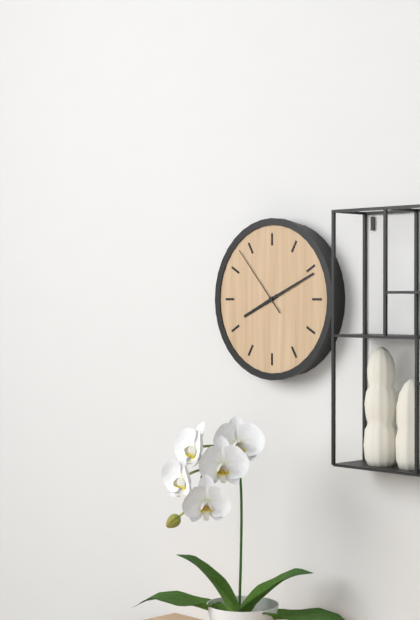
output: 8.11.53
